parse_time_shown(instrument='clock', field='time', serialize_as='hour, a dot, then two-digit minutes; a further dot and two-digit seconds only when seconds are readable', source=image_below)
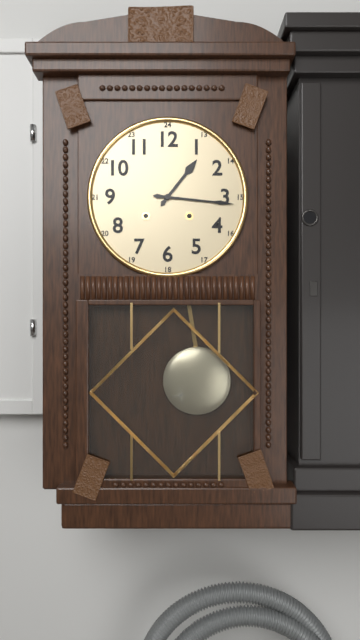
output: 1.16
